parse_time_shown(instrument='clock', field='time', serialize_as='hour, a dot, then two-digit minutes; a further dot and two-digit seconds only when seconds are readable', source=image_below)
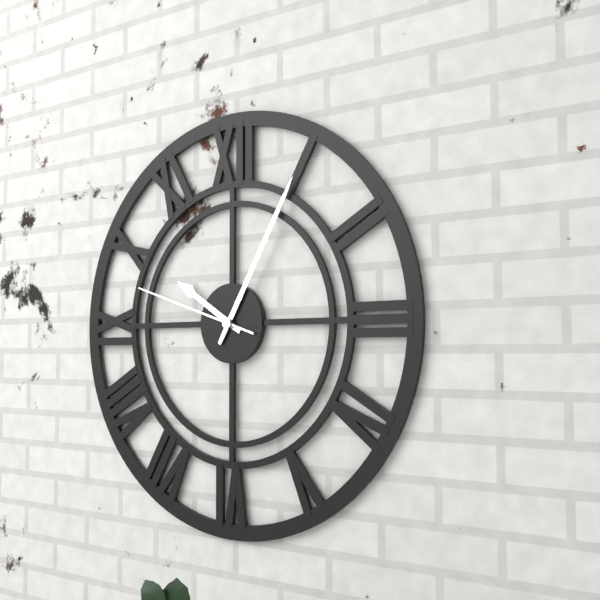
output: 10.05.48
